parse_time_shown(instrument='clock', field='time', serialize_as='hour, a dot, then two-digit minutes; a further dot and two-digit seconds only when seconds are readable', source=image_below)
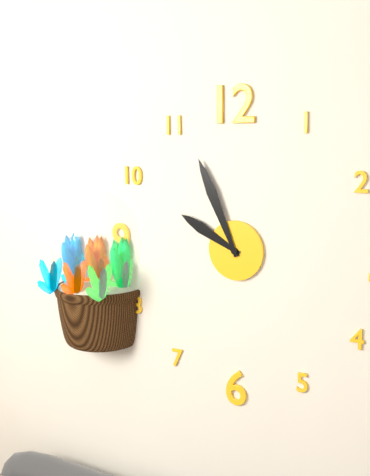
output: 9.56
